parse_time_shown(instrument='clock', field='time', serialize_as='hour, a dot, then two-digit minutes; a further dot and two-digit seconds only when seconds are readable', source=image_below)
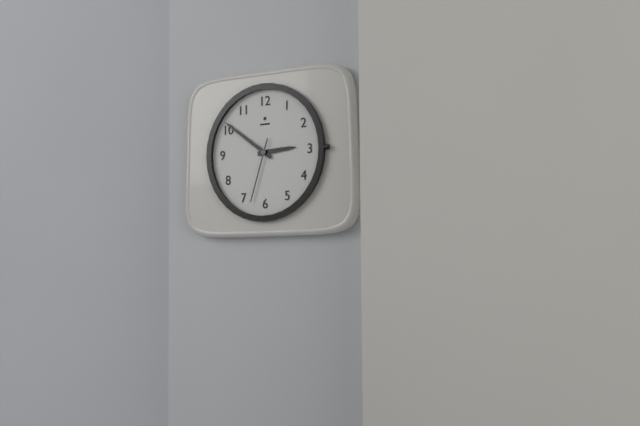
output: 2.51.33
